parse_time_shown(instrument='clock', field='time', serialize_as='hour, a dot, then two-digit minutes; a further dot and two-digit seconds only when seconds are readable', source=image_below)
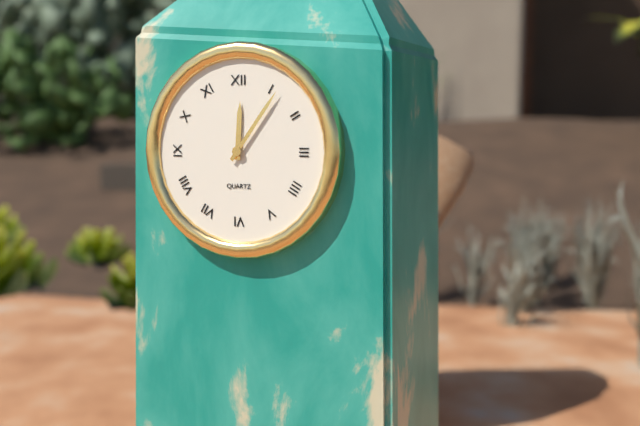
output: 12.06
